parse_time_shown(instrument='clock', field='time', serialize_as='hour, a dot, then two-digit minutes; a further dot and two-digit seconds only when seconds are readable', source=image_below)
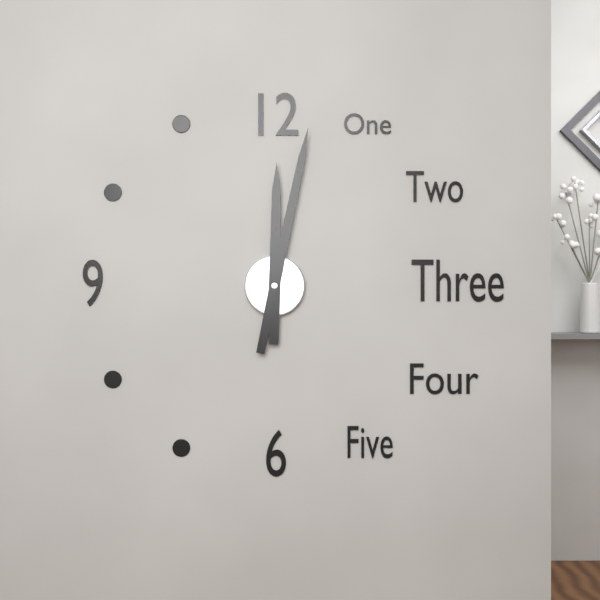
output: 12.02
